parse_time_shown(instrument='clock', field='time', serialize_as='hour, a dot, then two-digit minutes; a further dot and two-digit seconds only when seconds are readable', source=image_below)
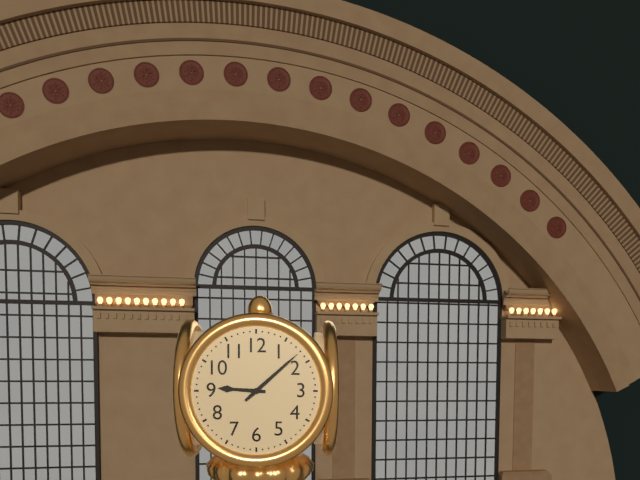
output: 9.08
